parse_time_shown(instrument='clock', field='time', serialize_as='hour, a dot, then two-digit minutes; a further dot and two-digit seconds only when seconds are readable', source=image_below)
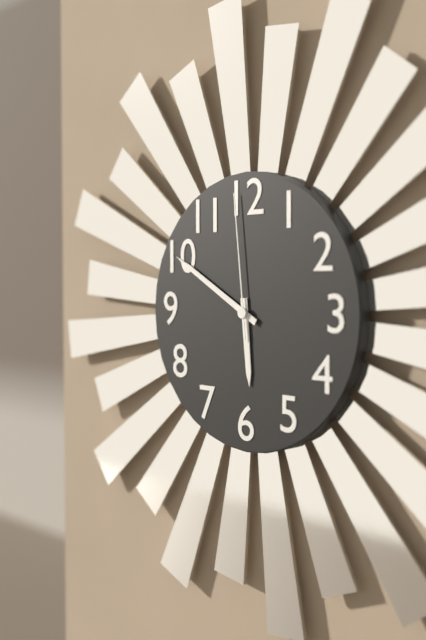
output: 5.50.59
